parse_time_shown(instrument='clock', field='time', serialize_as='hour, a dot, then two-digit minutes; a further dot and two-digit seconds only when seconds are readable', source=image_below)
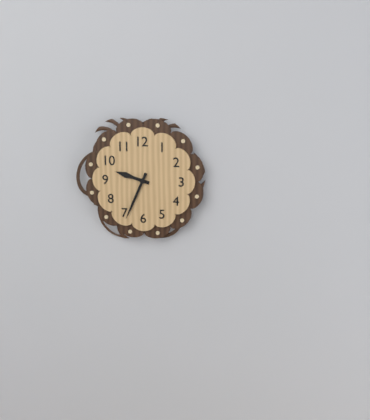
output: 9.34
